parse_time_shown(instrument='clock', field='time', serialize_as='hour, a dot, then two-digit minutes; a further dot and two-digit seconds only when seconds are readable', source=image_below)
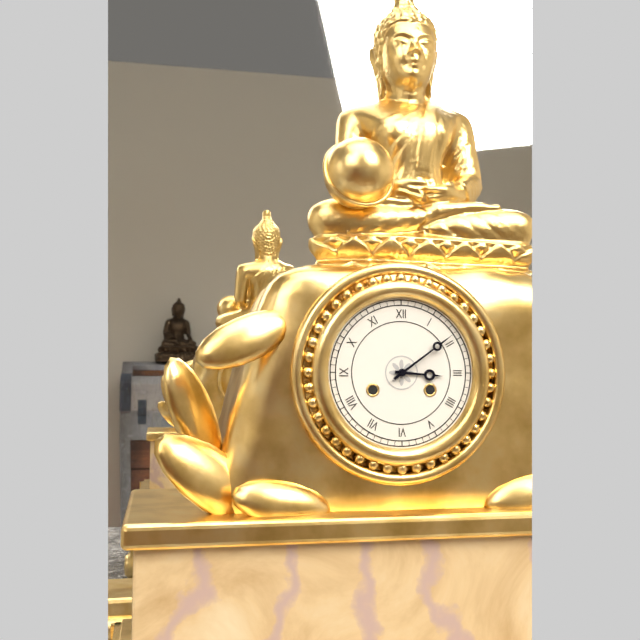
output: 3.09
